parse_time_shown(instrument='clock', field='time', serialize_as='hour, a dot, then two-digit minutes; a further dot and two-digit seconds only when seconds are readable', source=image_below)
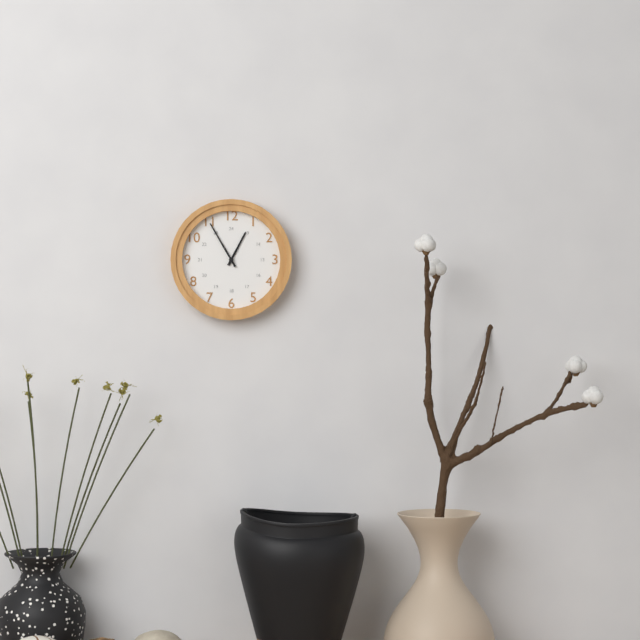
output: 12.55
